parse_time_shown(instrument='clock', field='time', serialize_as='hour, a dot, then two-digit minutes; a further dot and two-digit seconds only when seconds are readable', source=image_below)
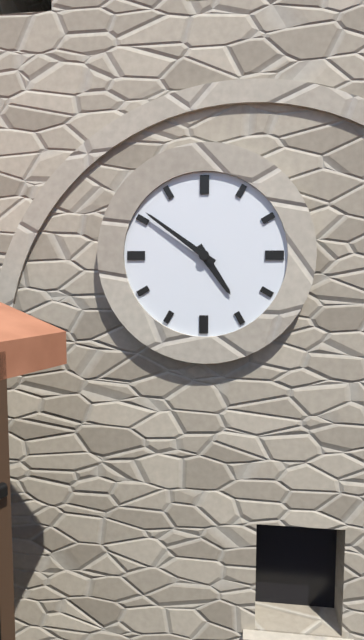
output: 4.51
